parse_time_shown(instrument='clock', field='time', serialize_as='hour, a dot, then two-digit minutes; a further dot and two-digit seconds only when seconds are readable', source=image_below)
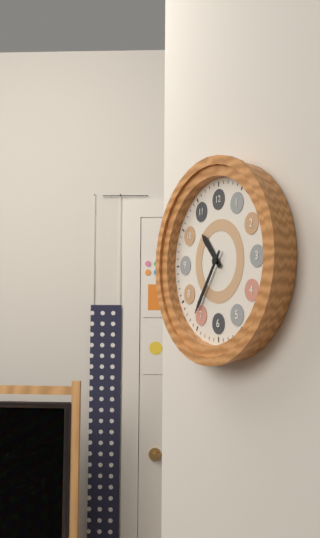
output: 10.36
